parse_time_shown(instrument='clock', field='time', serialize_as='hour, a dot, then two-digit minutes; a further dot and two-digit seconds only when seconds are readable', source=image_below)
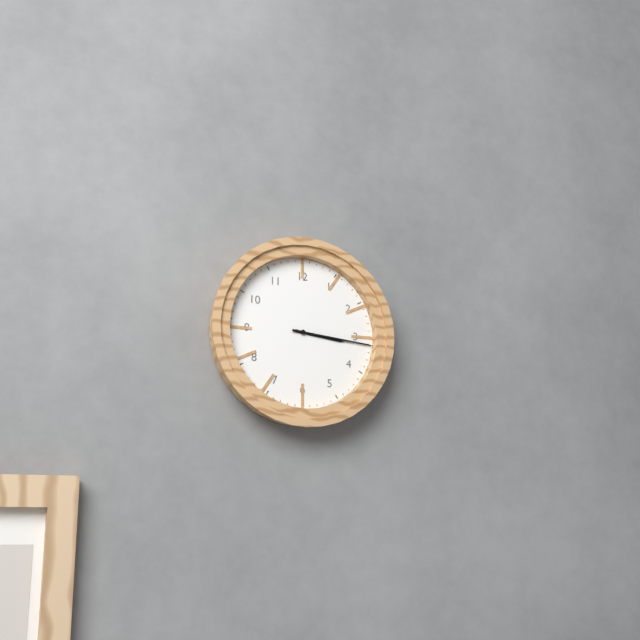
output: 3.16
